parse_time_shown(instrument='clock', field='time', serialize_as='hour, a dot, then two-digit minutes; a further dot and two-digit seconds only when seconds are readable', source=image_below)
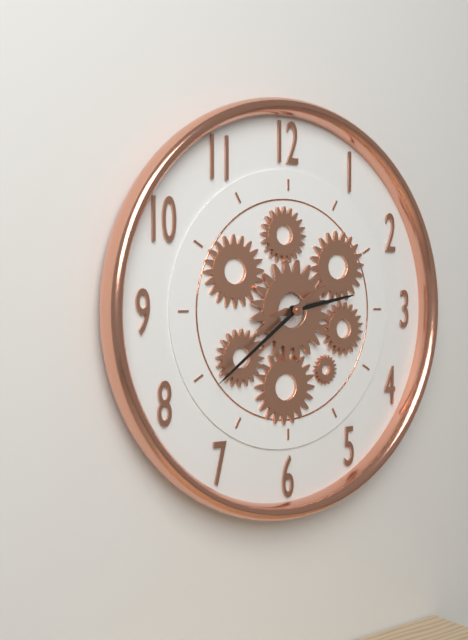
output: 2.39
